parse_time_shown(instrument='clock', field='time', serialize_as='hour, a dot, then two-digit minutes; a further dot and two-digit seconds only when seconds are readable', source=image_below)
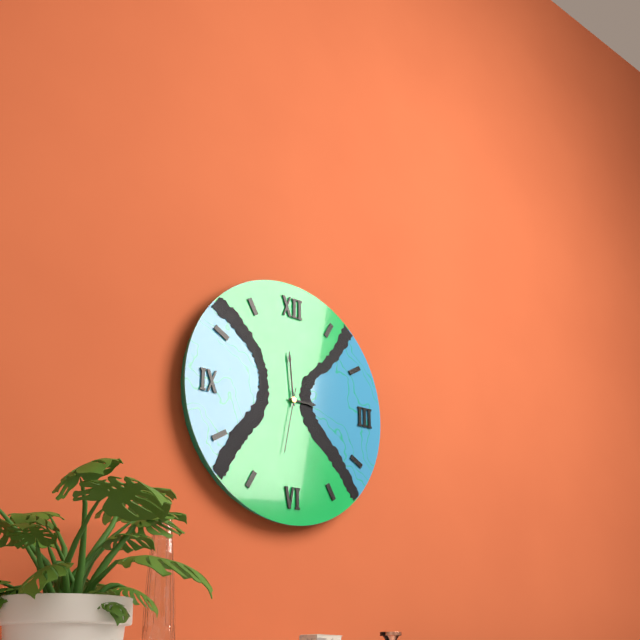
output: 2.59.32
